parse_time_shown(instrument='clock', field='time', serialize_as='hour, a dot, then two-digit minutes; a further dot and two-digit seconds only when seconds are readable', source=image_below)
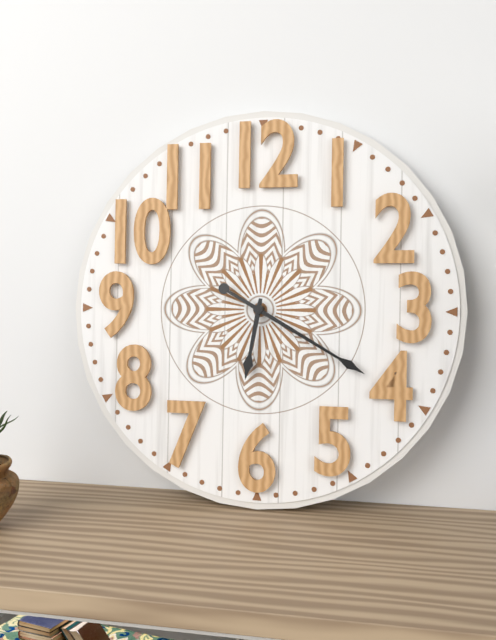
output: 6.20
